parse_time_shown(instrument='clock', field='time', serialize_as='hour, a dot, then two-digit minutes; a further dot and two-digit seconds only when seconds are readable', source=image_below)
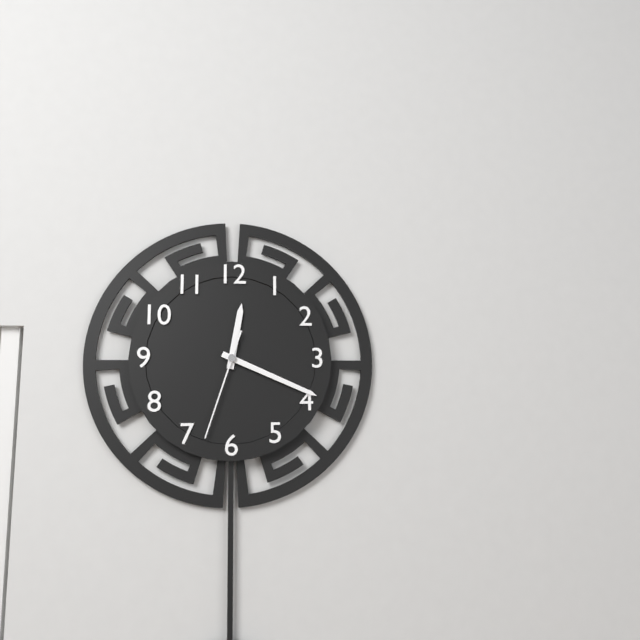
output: 12.19.33
